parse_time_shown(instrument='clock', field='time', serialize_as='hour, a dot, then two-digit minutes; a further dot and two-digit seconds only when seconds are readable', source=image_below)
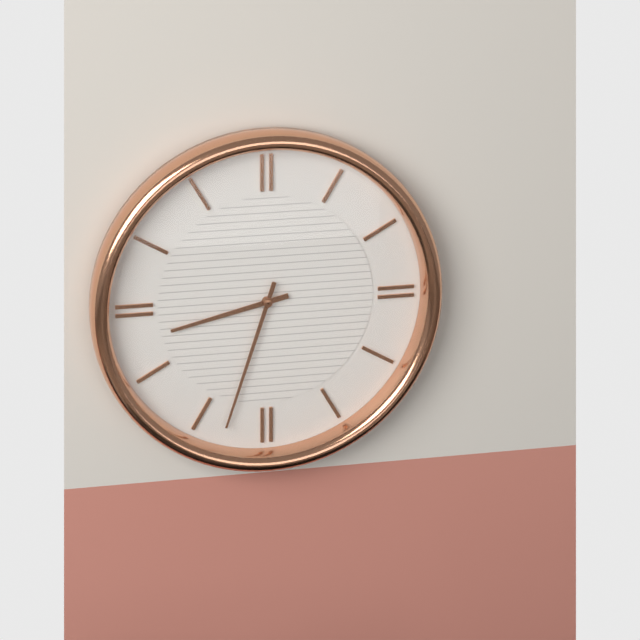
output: 8.33
